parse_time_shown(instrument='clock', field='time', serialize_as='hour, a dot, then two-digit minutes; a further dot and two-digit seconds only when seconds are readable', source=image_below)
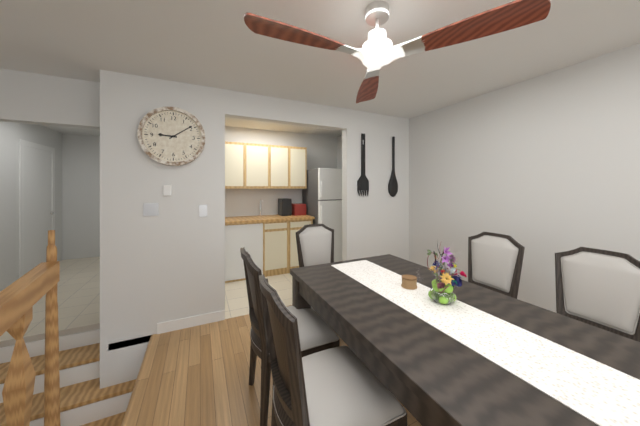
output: 9.09
